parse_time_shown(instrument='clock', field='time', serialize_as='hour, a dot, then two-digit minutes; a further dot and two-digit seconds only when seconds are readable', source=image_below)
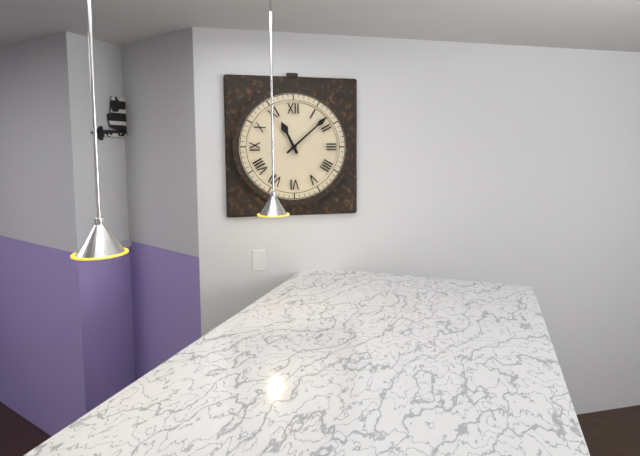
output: 11.08
